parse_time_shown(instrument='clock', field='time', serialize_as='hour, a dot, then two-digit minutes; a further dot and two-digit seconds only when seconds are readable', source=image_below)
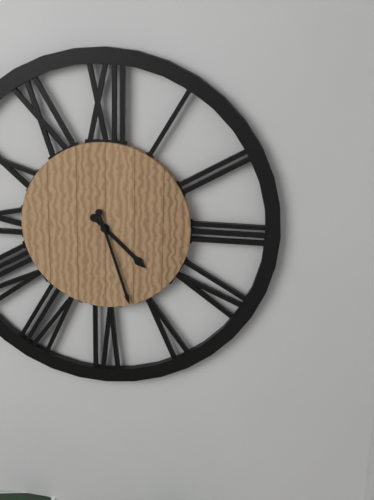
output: 4.27
